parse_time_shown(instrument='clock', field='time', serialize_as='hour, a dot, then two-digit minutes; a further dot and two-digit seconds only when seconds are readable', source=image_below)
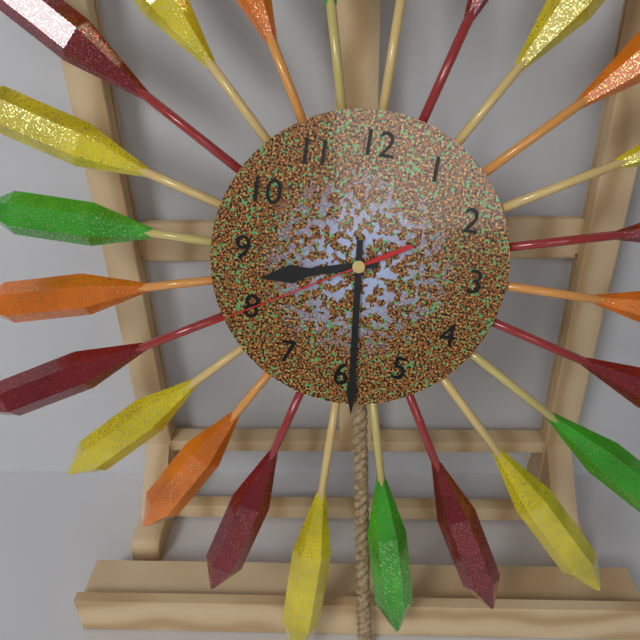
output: 8.29.40
